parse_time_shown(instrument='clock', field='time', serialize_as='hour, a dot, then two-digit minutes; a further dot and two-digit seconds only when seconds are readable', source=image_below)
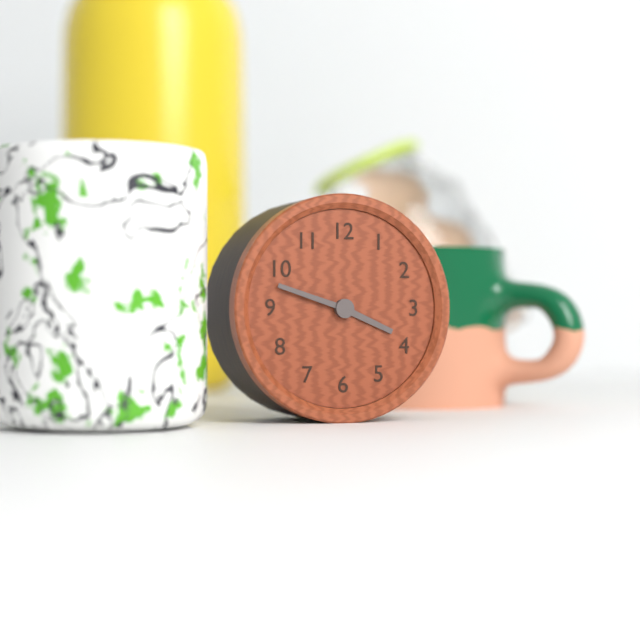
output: 3.48
